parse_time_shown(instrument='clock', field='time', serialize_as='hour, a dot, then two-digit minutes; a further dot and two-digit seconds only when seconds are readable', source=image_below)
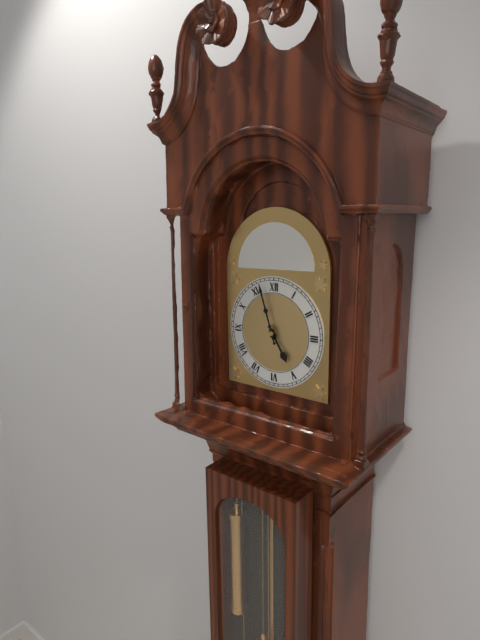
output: 4.57
